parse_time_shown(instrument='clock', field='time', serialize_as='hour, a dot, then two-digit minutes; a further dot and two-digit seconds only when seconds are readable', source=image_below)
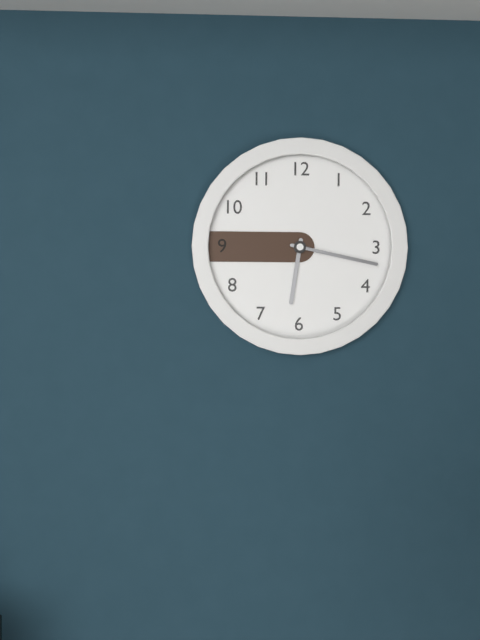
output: 6.17
